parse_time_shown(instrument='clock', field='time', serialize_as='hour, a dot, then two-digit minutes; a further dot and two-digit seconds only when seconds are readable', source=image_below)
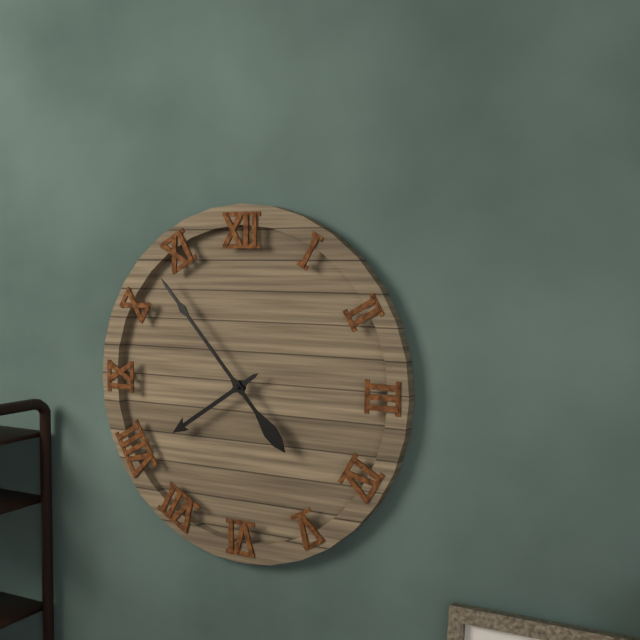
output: 7.53
